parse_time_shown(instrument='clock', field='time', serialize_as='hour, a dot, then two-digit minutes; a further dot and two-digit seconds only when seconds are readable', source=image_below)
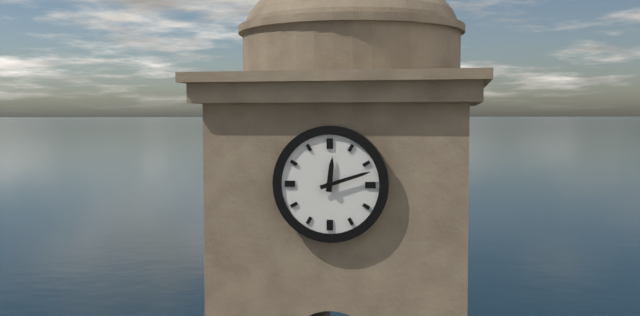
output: 12.12
